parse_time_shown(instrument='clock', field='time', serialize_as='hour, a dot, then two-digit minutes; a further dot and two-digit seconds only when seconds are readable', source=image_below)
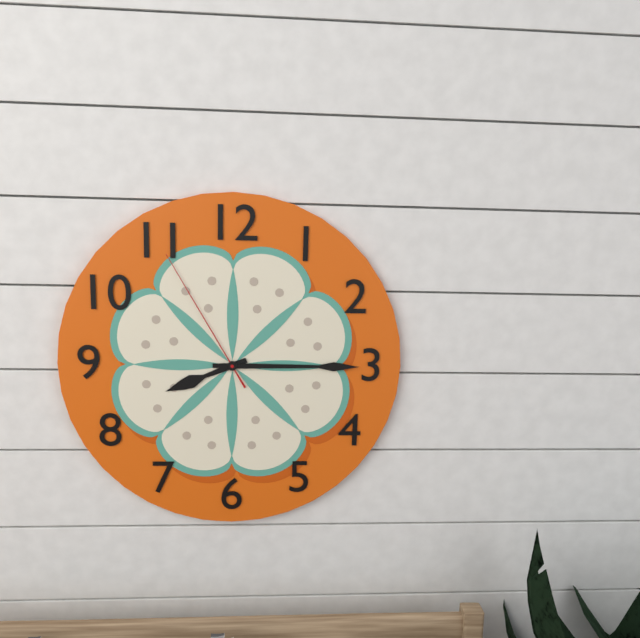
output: 8.15.55
